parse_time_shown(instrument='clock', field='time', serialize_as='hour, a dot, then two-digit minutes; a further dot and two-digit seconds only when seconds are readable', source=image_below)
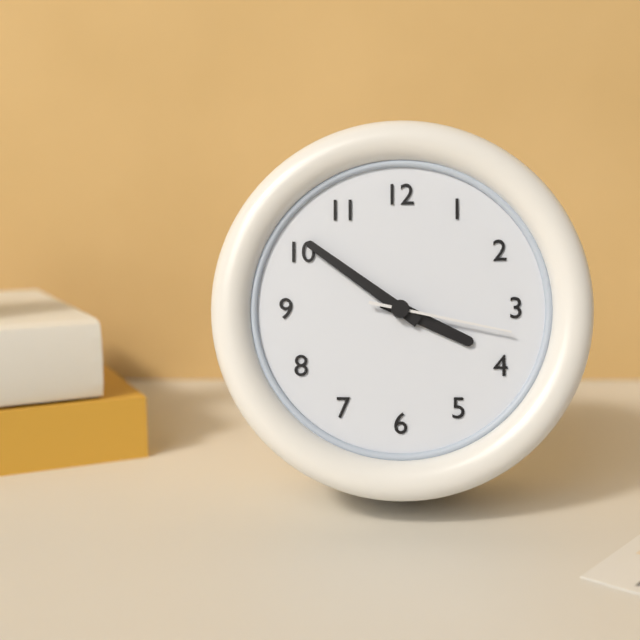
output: 3.51.17
